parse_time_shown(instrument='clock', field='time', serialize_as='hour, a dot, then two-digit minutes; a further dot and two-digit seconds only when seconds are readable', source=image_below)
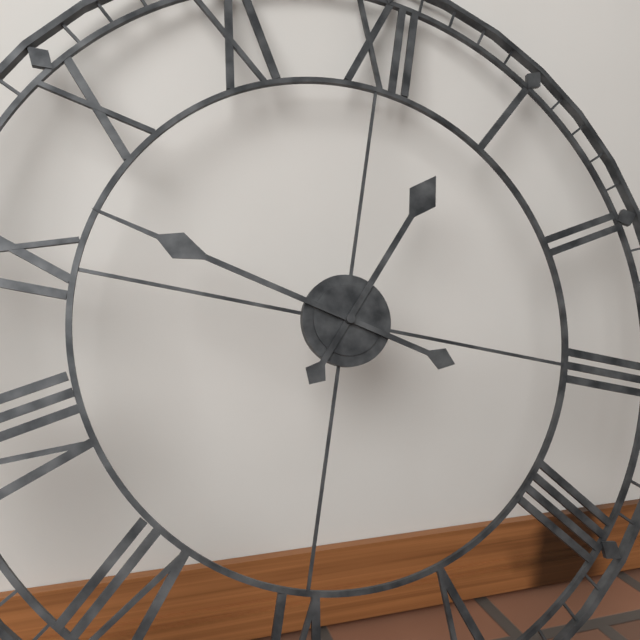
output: 12.47
